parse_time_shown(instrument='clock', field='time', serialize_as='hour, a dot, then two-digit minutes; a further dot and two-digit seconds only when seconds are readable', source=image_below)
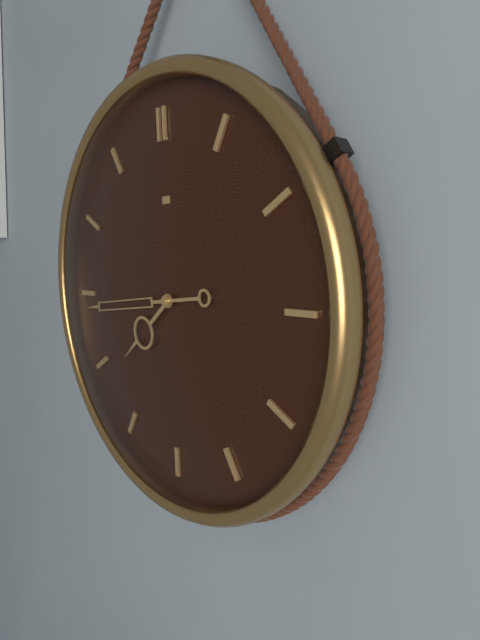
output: 7.44
